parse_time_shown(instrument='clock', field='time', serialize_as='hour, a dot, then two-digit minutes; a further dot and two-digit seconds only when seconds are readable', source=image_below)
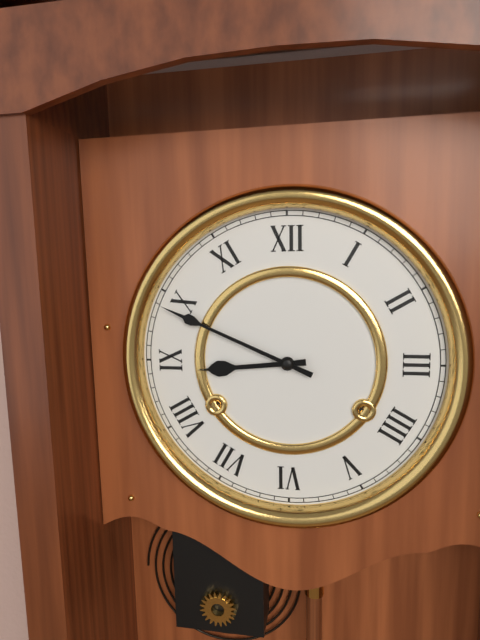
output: 8.49
